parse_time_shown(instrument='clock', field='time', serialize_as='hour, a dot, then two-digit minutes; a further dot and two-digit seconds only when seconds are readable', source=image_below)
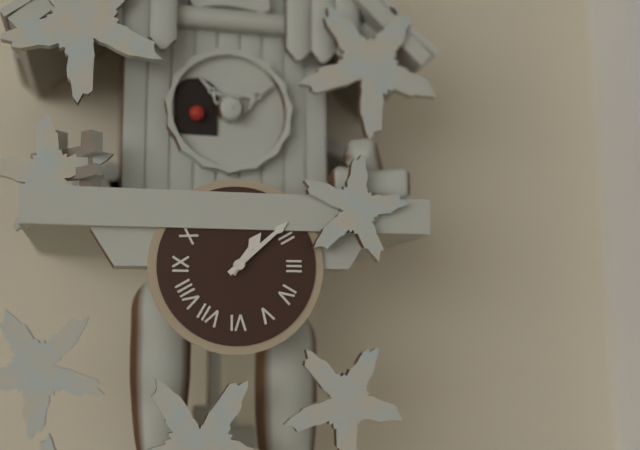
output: 1.08
